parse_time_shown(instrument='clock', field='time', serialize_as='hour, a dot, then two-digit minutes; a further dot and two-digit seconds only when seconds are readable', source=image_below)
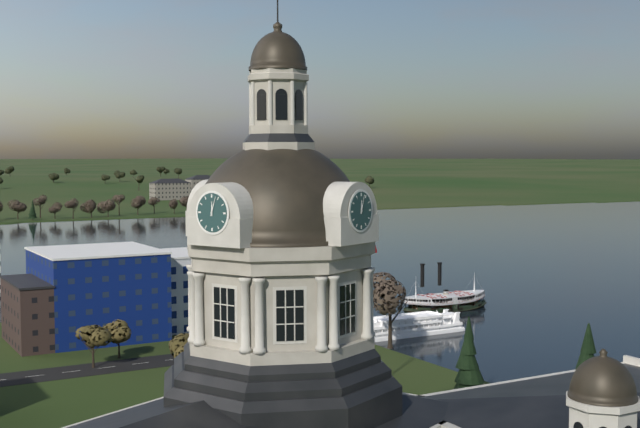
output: 12.03
